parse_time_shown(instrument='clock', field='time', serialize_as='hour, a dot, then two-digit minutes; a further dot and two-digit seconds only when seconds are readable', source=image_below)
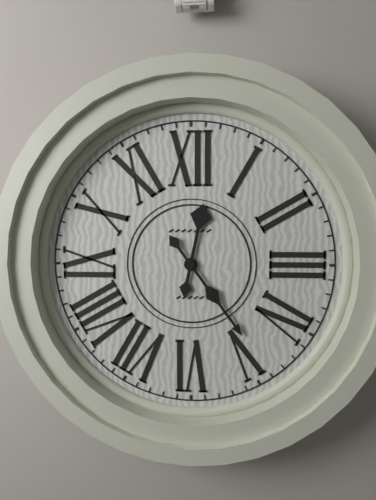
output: 12.24
